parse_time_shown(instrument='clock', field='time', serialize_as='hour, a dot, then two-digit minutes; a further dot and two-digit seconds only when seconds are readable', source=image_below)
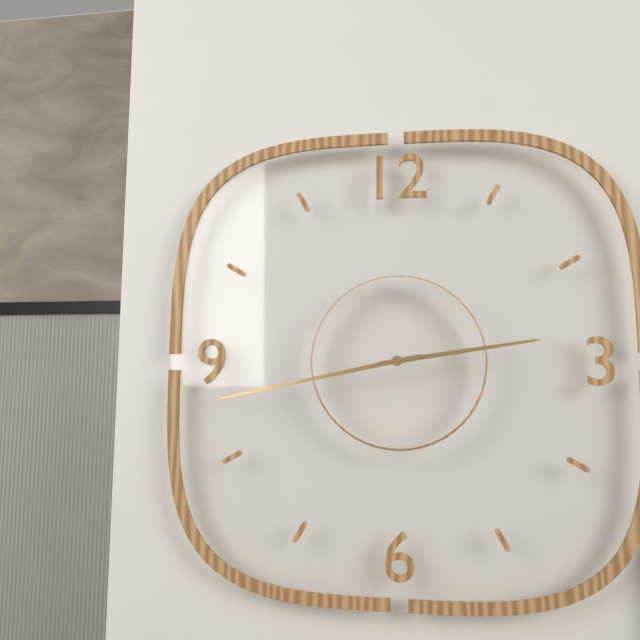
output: 2.43
